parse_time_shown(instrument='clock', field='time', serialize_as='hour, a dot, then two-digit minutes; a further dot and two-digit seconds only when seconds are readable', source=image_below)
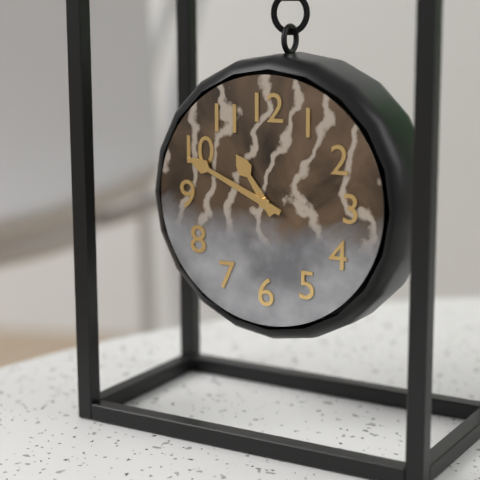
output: 10.49
